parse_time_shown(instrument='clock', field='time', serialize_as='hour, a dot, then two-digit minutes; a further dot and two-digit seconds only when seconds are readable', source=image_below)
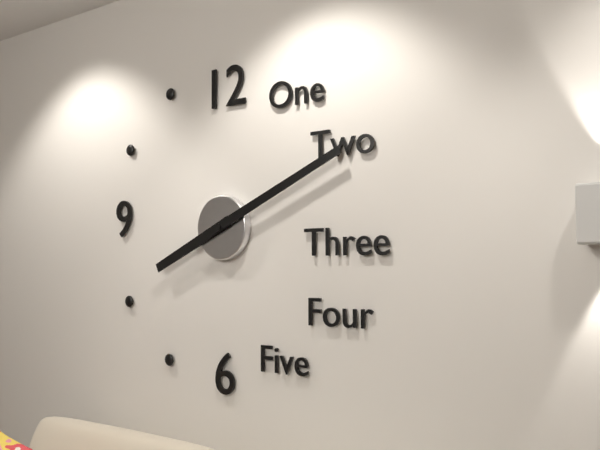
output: 8.11
